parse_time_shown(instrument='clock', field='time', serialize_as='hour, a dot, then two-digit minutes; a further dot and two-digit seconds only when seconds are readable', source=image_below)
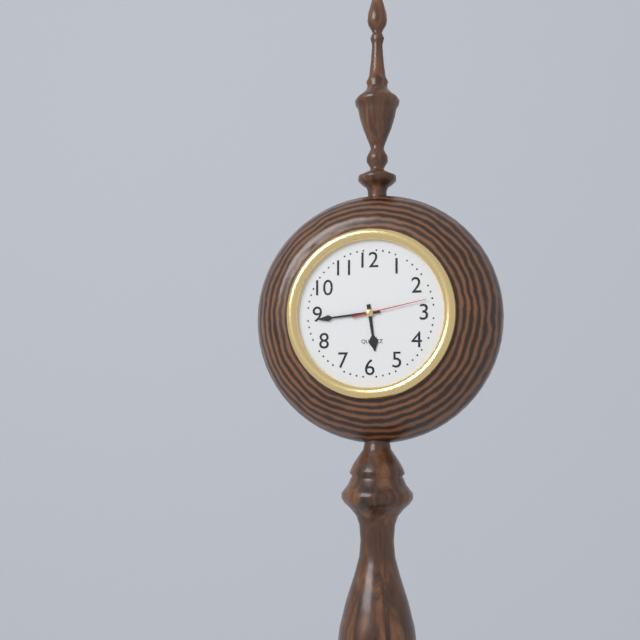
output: 5.44.13
